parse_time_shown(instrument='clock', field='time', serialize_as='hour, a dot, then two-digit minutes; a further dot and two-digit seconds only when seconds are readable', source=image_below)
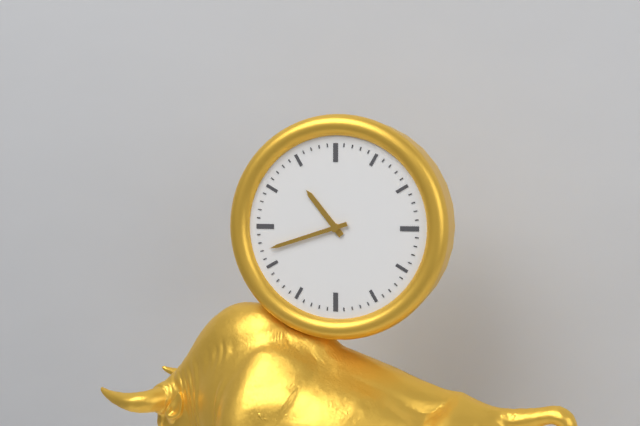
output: 10.42
